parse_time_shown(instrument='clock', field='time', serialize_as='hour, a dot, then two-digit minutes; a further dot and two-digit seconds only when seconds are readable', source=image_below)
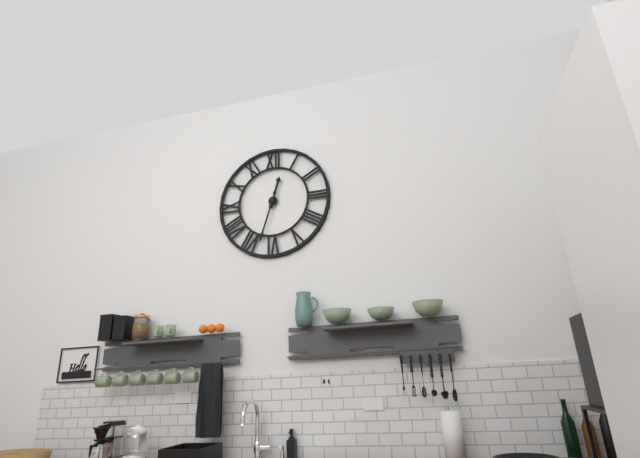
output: 12.33
